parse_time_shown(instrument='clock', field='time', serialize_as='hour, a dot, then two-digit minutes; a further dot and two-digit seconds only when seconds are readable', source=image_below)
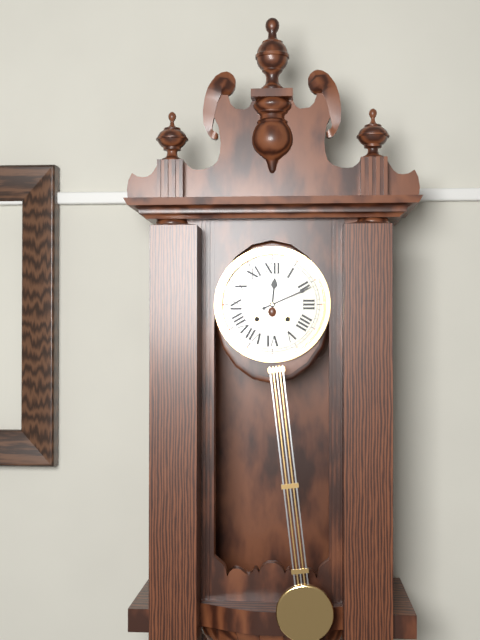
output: 12.11
